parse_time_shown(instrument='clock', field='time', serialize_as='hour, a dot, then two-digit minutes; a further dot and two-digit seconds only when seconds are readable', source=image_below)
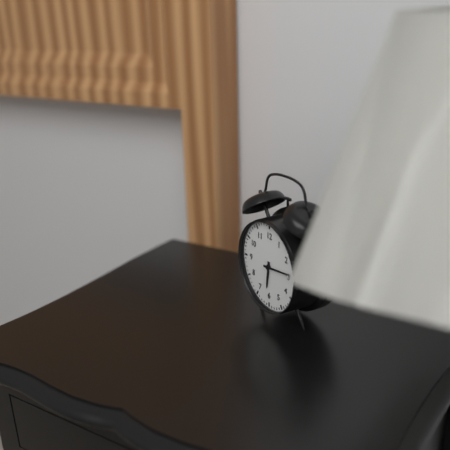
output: 6.14
